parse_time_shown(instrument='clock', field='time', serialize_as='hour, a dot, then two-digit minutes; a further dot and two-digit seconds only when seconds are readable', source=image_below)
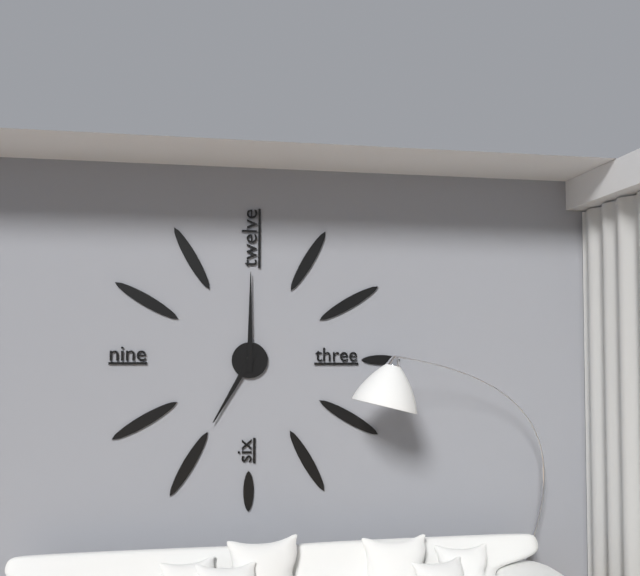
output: 7.00
